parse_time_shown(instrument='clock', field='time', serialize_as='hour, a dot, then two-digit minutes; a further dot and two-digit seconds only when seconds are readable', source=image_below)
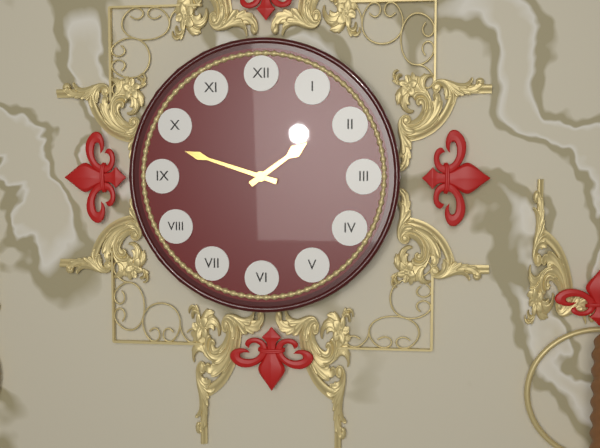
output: 1.48
